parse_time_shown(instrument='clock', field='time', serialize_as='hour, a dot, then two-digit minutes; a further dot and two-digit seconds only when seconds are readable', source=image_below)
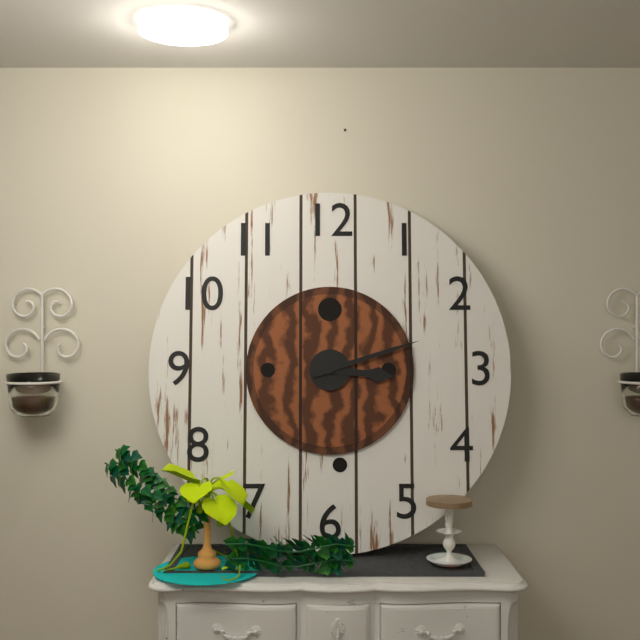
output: 3.12
